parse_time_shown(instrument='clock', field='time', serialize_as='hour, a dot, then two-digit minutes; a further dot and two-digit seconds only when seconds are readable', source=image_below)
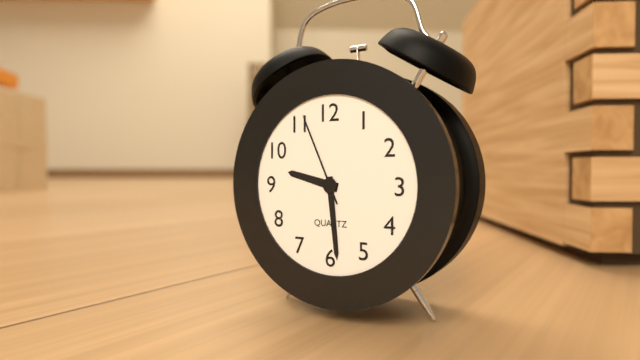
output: 9.29.56
